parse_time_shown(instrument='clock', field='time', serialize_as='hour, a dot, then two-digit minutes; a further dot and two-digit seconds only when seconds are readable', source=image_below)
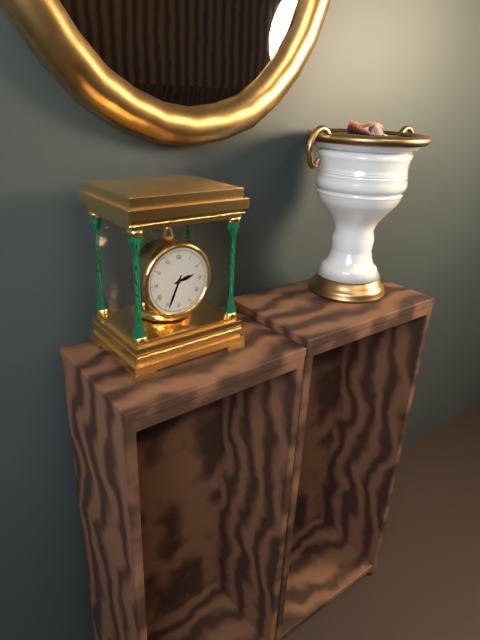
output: 2.34
